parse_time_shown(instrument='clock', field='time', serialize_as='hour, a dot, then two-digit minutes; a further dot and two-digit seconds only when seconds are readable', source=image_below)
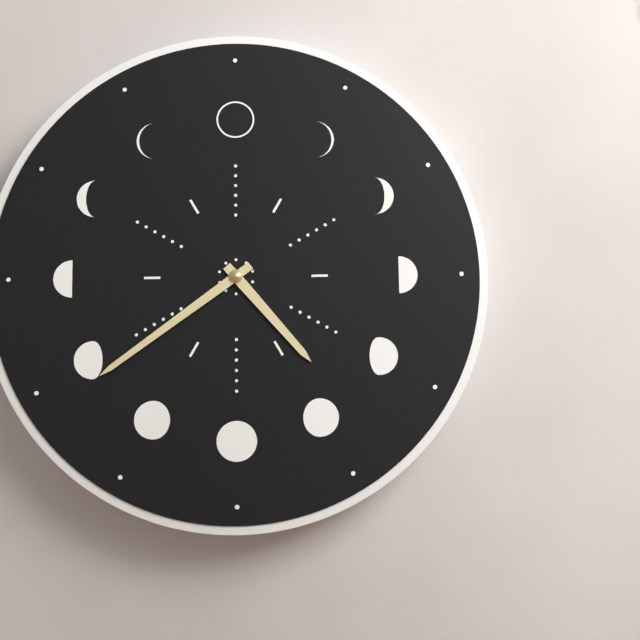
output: 4.39
